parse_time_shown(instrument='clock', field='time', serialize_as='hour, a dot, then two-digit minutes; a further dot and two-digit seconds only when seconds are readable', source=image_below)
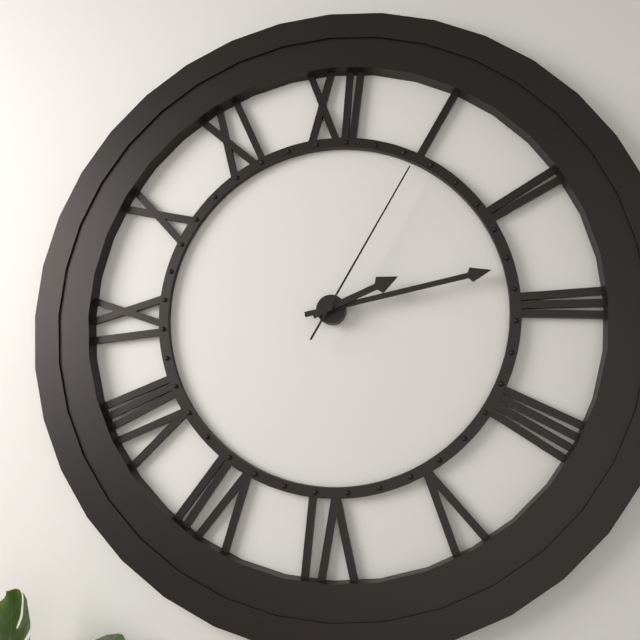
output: 2.13.05
